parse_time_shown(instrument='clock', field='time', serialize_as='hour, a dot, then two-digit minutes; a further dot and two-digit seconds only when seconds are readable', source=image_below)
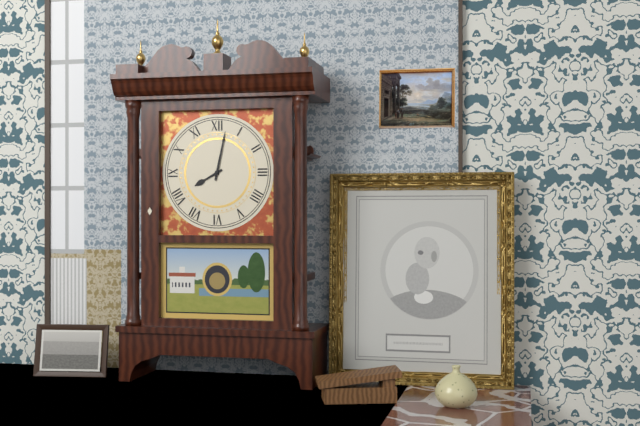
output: 8.02
